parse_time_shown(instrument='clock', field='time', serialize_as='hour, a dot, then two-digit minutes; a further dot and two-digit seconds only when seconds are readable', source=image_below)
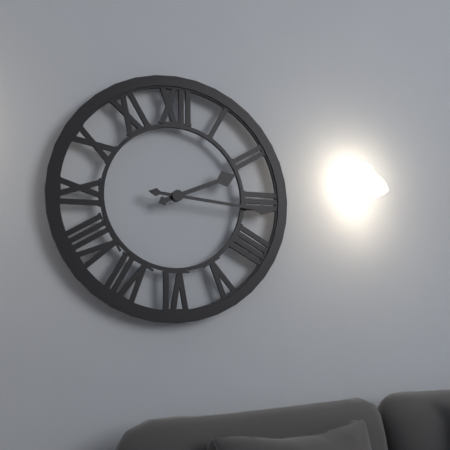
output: 2.16
